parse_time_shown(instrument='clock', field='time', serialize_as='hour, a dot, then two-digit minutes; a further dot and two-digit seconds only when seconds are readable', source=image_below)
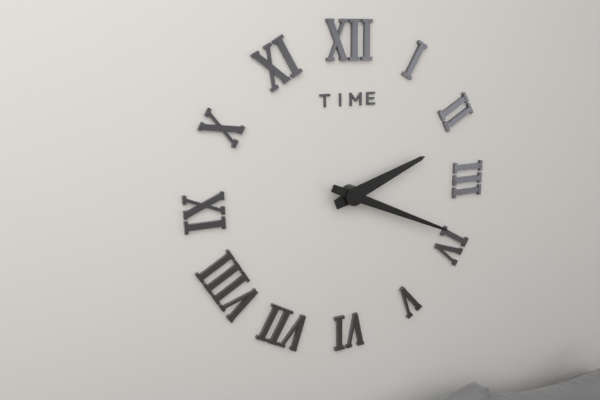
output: 2.19
